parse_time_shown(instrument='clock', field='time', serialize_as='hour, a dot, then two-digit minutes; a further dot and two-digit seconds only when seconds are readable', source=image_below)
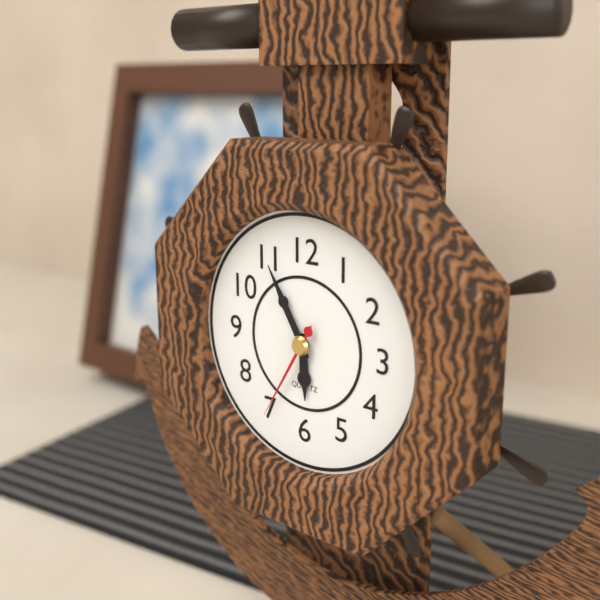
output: 5.55.35
